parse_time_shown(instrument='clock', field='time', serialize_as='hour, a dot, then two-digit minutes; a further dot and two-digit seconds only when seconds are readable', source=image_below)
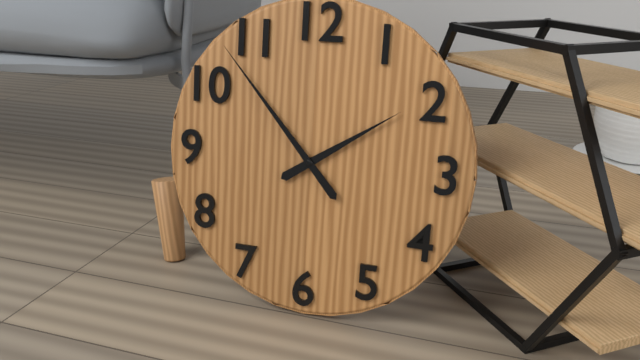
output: 1.53
